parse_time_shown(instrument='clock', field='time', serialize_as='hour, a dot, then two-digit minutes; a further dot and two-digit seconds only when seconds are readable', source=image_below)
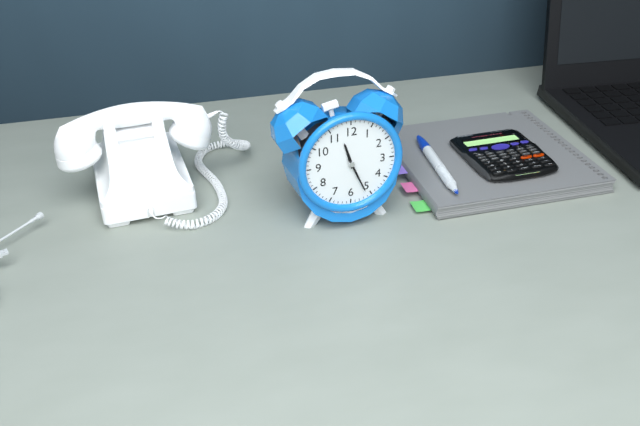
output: 11.26
